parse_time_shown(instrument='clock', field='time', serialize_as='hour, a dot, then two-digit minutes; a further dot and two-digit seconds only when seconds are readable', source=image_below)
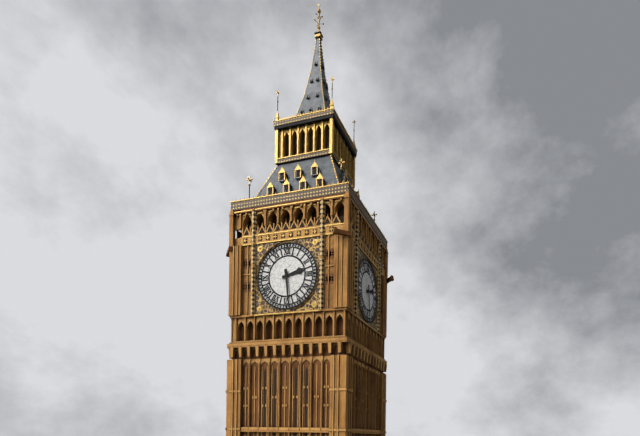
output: 2.29
